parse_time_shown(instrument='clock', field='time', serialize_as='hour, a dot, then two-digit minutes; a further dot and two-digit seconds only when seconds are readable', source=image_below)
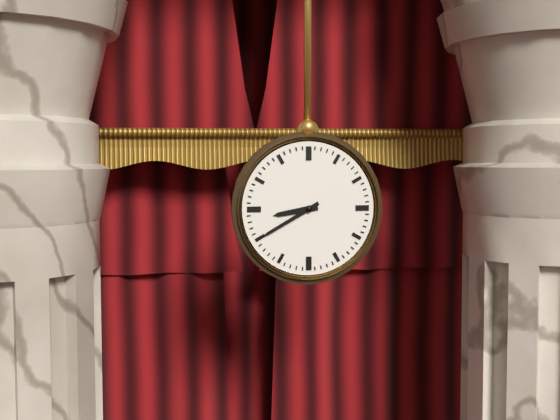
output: 8.40
